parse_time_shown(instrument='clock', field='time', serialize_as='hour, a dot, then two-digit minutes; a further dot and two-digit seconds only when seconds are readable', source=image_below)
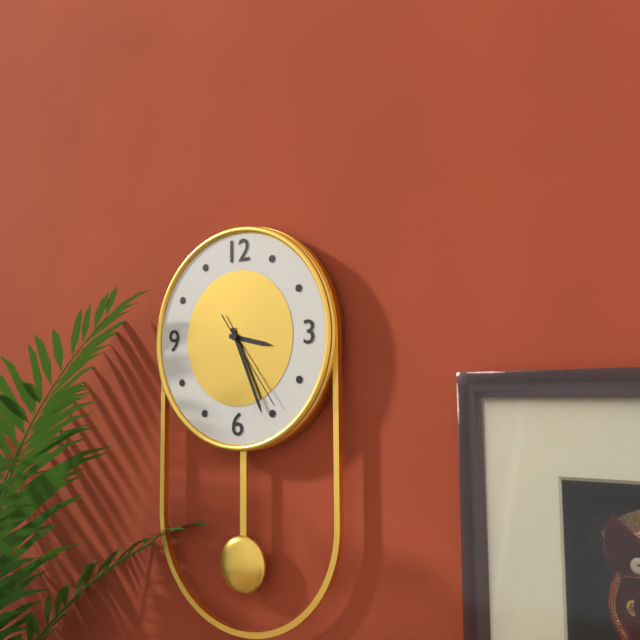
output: 3.26.24
